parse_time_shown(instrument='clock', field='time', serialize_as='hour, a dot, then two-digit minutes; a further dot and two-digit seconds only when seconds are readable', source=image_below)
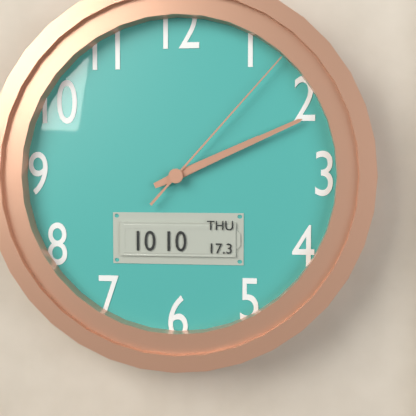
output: 2.11.07
